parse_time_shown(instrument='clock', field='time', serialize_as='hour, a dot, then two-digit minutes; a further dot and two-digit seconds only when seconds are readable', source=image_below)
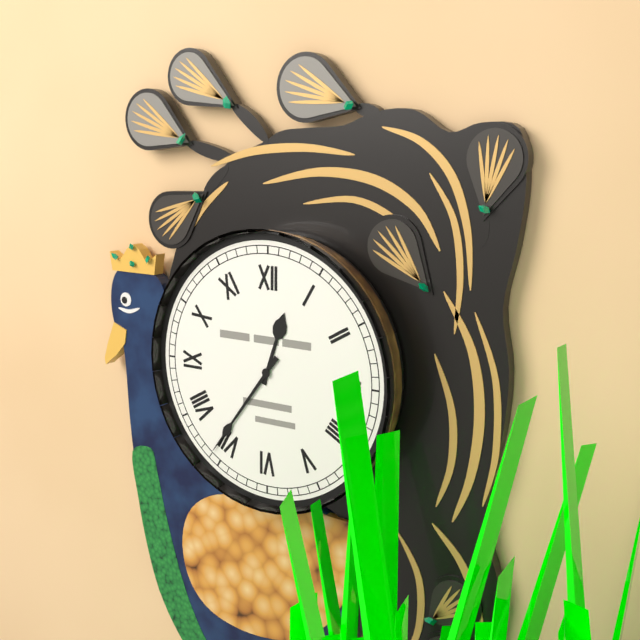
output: 12.36
